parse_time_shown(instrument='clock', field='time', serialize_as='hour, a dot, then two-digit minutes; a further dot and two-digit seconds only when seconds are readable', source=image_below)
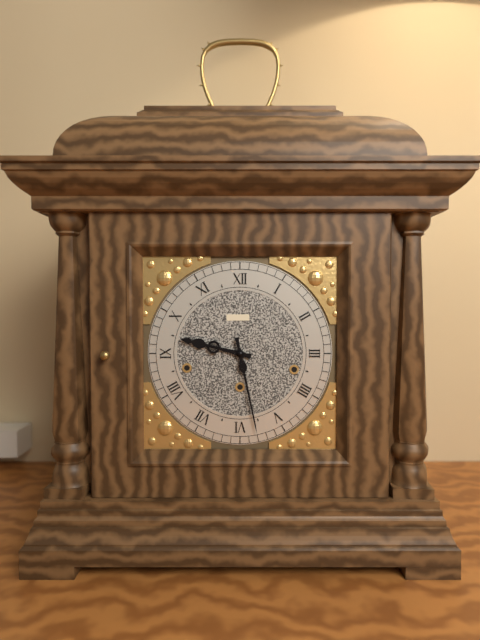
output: 9.28
